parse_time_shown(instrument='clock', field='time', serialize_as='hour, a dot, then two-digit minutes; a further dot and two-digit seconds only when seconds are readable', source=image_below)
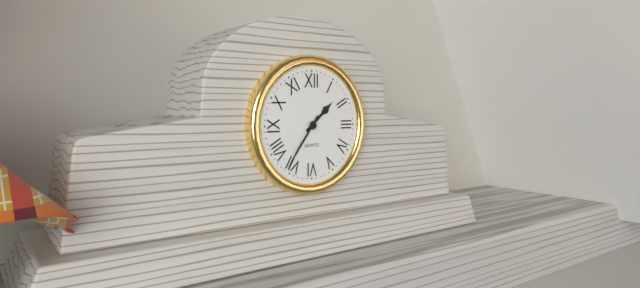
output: 1.36
